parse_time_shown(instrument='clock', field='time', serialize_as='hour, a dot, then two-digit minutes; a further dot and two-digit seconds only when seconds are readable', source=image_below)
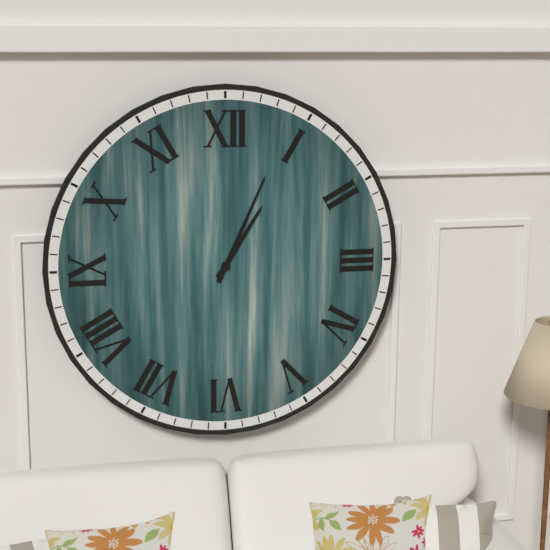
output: 1.04
